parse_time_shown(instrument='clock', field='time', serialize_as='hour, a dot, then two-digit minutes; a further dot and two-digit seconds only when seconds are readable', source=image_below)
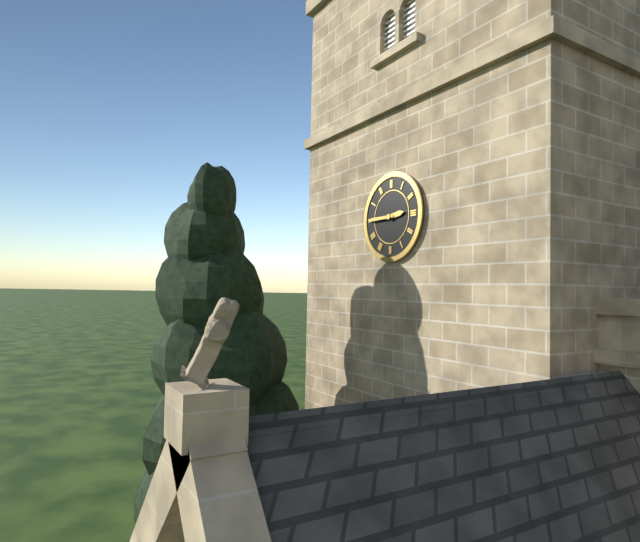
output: 2.45
